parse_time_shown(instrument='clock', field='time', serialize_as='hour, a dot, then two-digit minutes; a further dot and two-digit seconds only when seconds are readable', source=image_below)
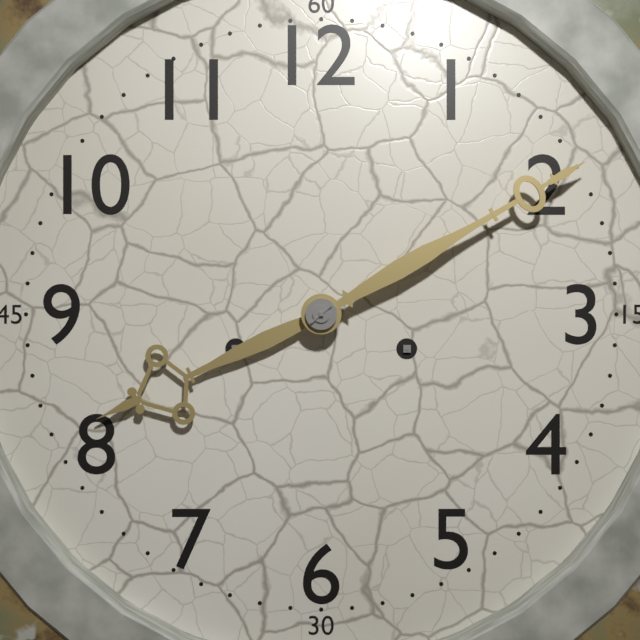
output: 8.10
